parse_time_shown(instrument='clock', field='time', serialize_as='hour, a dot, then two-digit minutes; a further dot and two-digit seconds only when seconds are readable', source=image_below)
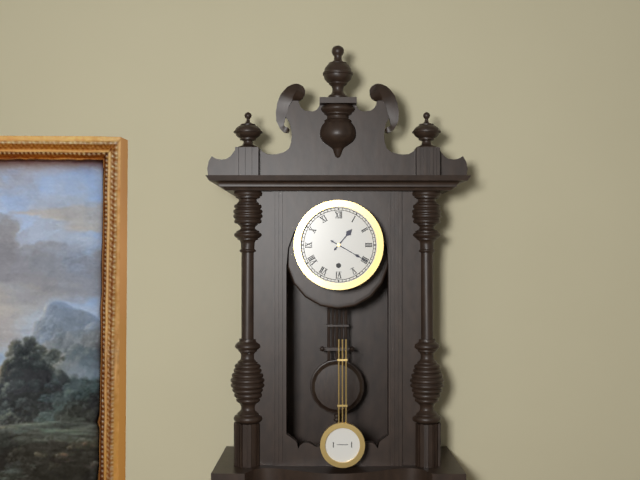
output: 1.20
